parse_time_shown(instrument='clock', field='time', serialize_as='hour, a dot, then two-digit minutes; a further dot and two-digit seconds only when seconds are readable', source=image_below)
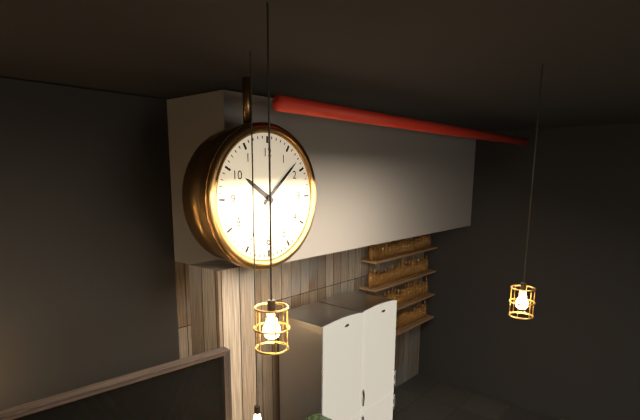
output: 10.08
